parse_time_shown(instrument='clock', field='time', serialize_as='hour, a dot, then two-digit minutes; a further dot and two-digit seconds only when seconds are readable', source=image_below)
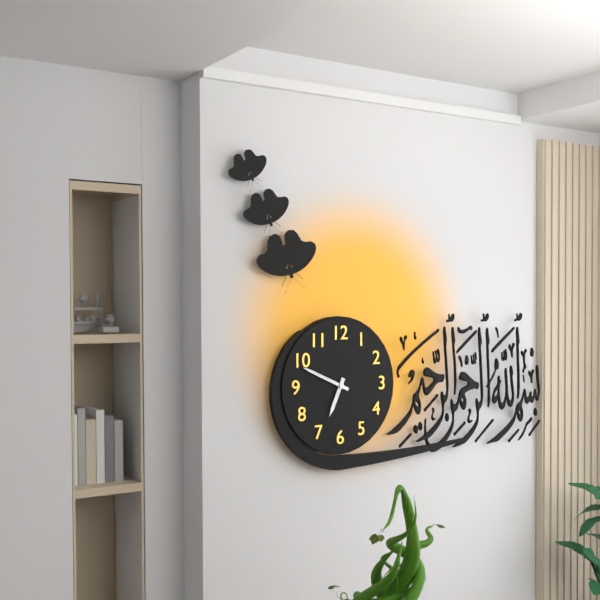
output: 6.49
